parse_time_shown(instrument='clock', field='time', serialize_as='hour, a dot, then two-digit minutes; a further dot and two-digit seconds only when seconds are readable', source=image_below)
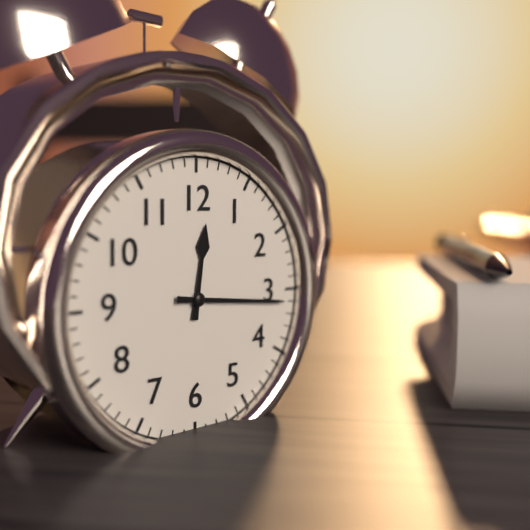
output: 12.16
